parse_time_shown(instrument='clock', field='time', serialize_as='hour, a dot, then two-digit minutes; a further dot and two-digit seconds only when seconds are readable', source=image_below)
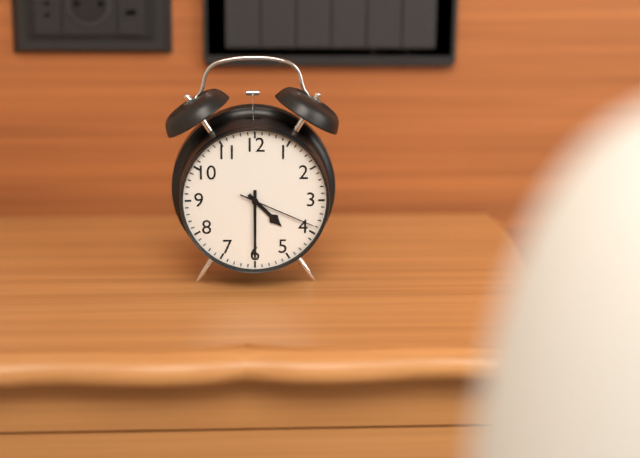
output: 4.30.19
